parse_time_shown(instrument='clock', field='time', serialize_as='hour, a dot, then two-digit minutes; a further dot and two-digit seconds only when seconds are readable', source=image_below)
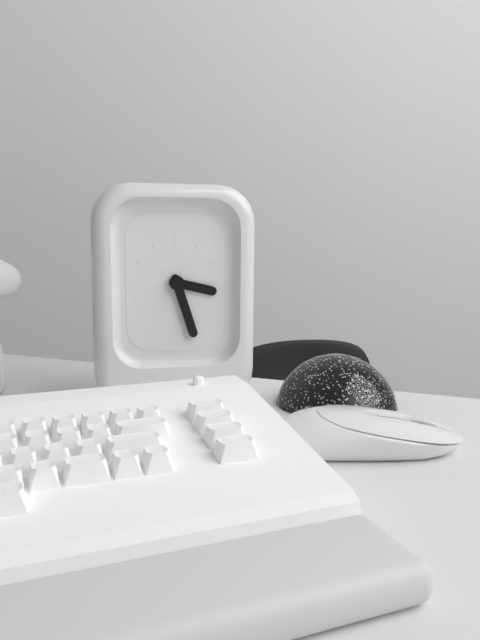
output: 3.27
